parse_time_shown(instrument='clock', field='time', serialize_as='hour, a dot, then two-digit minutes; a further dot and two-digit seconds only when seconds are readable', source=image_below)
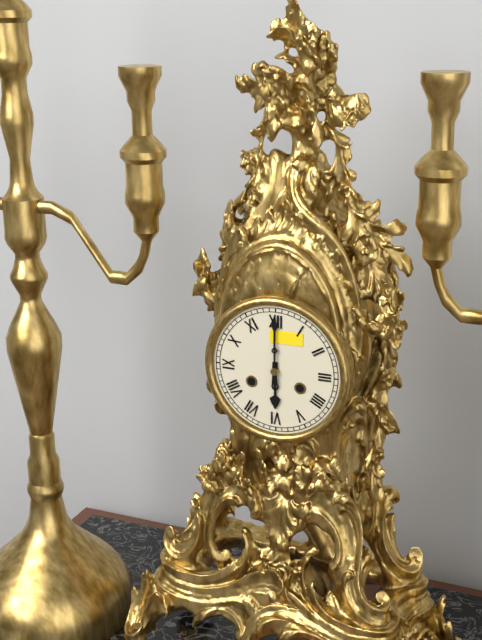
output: 6.00
